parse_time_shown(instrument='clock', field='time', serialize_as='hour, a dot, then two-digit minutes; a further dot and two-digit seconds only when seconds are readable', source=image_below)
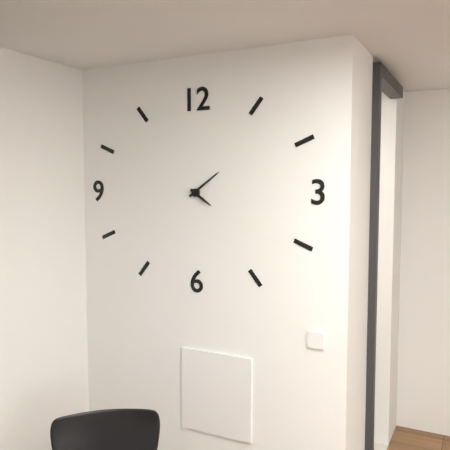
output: 4.09
